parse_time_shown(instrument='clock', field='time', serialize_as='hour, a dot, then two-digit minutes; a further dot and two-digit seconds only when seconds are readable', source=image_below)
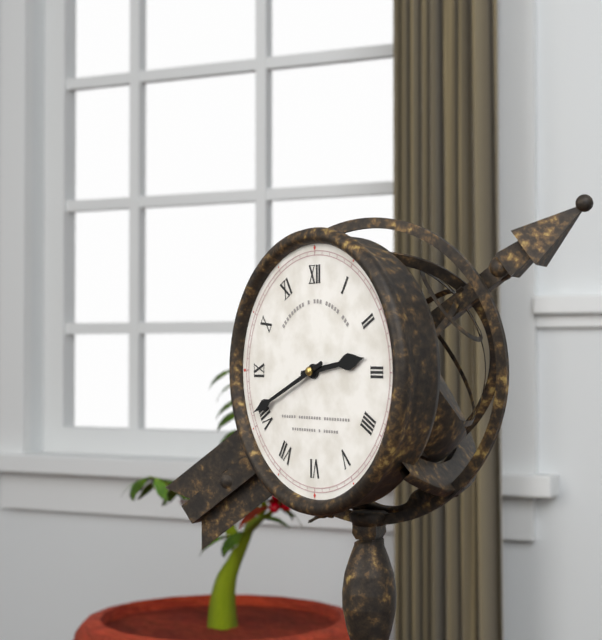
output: 2.41
